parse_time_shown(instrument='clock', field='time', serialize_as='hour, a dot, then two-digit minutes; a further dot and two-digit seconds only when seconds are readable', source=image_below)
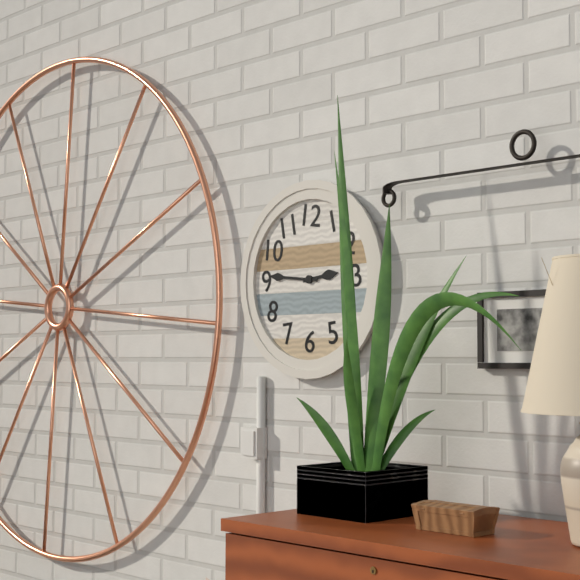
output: 2.46
